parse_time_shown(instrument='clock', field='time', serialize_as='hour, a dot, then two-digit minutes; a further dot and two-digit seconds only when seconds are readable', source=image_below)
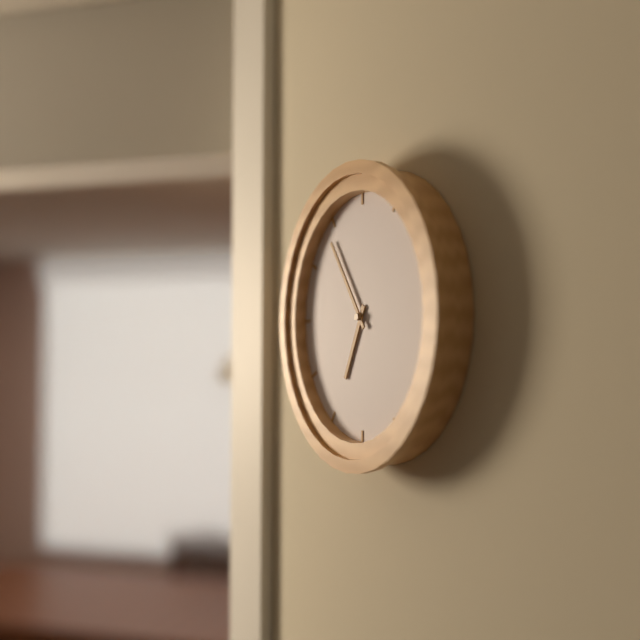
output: 6.54
